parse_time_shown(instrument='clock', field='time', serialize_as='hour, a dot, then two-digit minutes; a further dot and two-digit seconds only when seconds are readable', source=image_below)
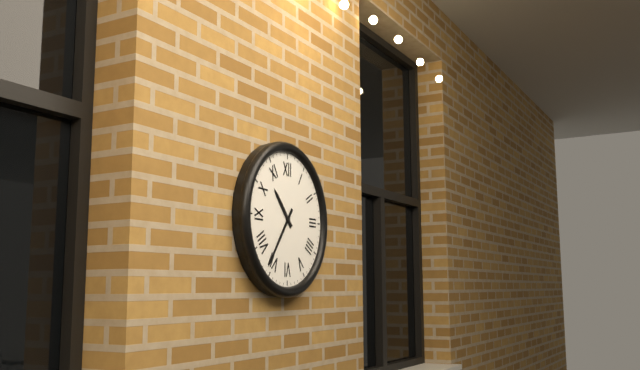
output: 10.36
